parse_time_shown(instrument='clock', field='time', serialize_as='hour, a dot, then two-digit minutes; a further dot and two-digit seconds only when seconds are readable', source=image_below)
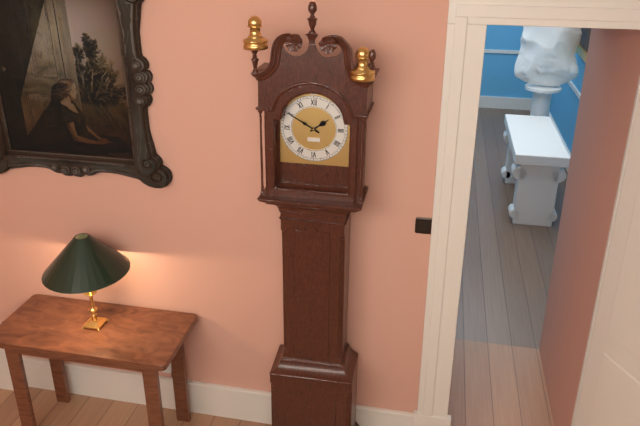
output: 1.50
